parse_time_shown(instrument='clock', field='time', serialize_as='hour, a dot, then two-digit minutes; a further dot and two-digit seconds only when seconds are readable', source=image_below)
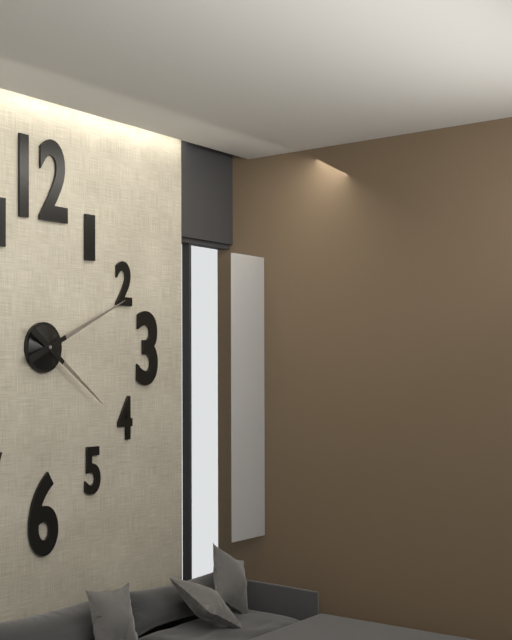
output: 4.11
